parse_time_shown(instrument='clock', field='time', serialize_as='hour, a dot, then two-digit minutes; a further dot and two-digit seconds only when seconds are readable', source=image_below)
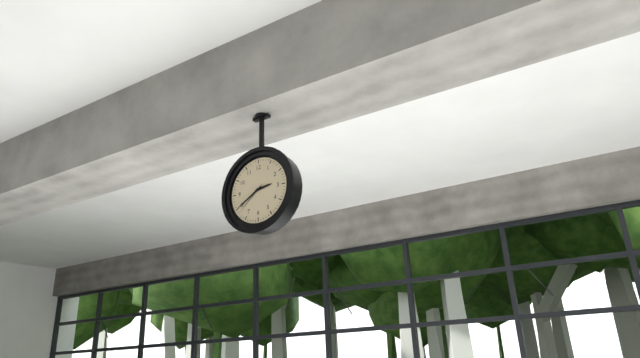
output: 2.40
